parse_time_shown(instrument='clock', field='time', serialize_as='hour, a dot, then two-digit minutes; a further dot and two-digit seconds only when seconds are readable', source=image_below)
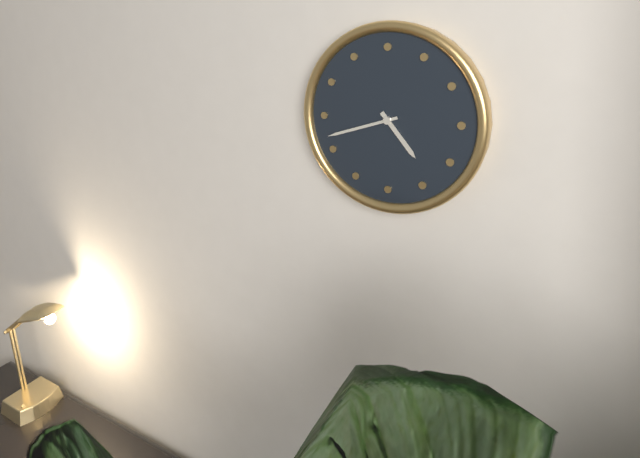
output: 4.42
